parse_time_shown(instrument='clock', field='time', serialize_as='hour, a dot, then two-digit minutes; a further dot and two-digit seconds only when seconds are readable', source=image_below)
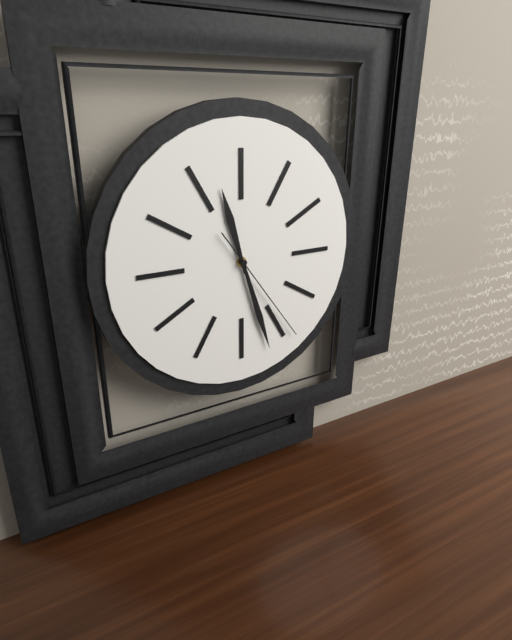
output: 11.27.24
